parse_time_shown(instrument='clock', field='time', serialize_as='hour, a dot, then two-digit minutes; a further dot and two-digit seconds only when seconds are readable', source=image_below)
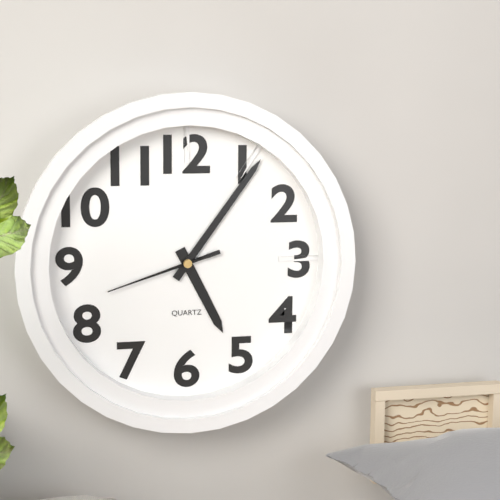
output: 5.06.42
